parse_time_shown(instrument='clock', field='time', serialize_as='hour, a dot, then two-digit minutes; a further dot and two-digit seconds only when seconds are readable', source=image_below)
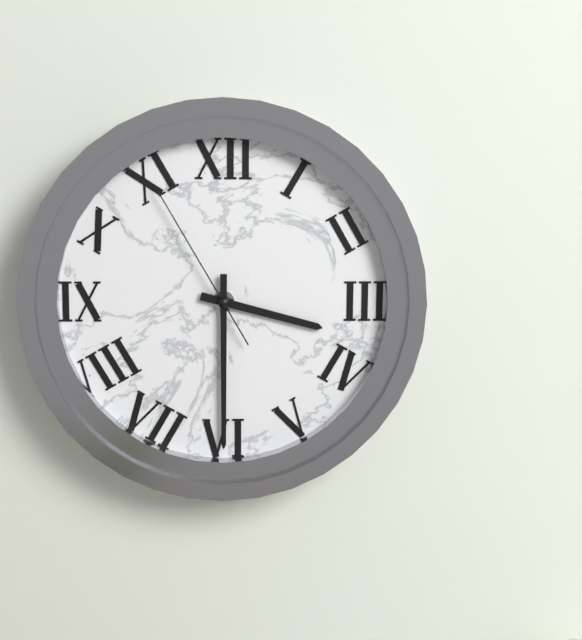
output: 3.30.55
